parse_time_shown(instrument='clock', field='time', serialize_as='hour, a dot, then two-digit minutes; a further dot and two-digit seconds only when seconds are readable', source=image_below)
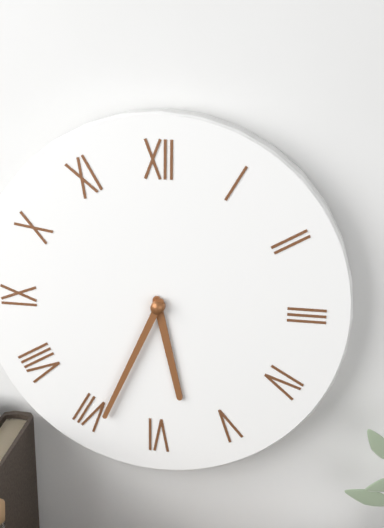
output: 5.34
